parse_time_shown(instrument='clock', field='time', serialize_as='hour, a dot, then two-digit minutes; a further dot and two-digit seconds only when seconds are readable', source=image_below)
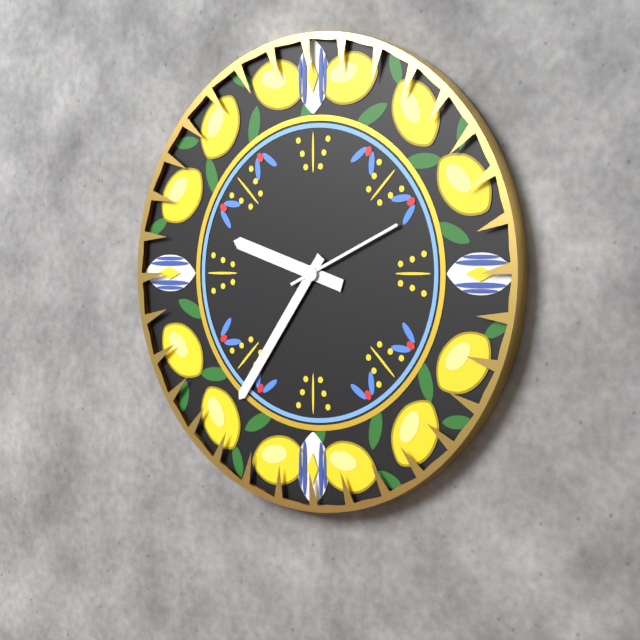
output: 9.36.11
